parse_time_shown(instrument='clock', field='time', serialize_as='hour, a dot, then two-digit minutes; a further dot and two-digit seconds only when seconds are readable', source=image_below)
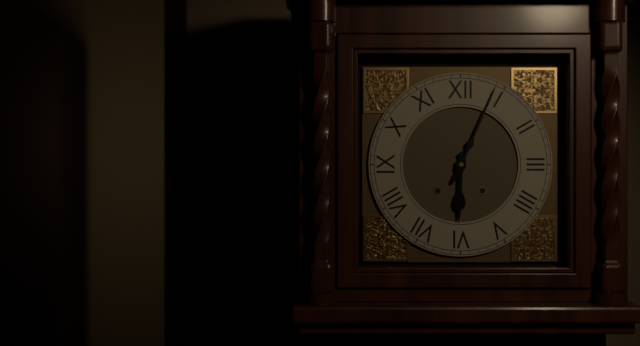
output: 6.04
